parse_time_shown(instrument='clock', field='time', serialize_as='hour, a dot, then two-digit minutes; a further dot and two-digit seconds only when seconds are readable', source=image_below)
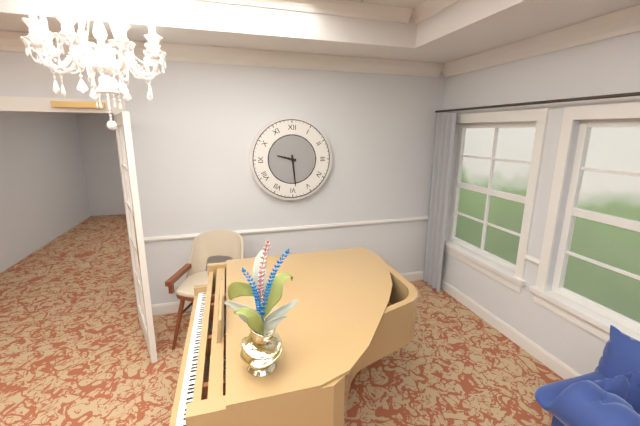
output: 9.29
